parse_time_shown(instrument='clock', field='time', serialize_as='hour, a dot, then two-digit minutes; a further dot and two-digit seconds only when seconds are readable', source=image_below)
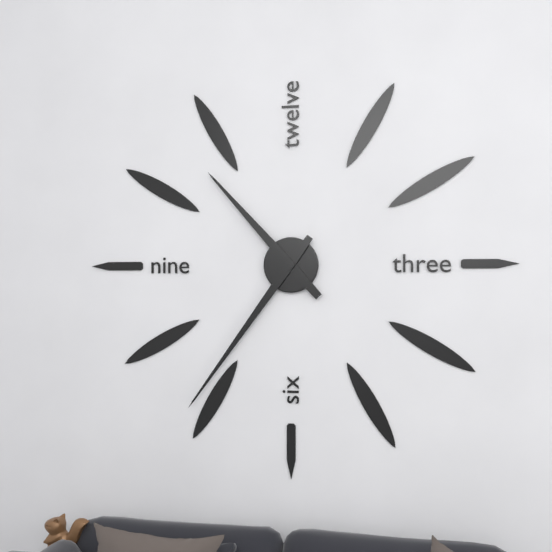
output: 10.36
